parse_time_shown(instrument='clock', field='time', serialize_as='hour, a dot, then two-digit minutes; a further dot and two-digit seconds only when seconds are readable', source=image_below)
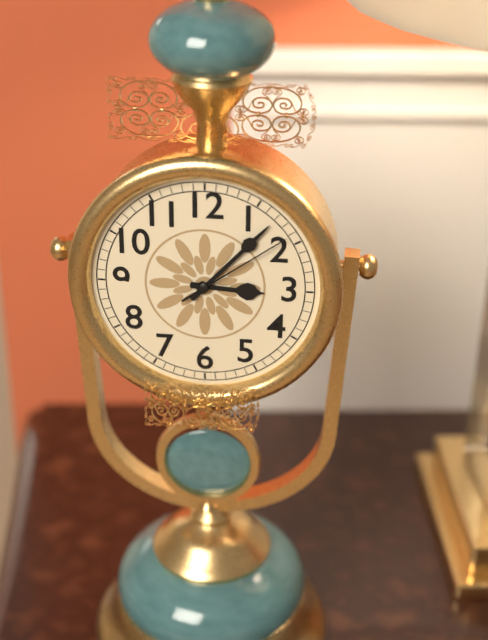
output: 3.07.09
